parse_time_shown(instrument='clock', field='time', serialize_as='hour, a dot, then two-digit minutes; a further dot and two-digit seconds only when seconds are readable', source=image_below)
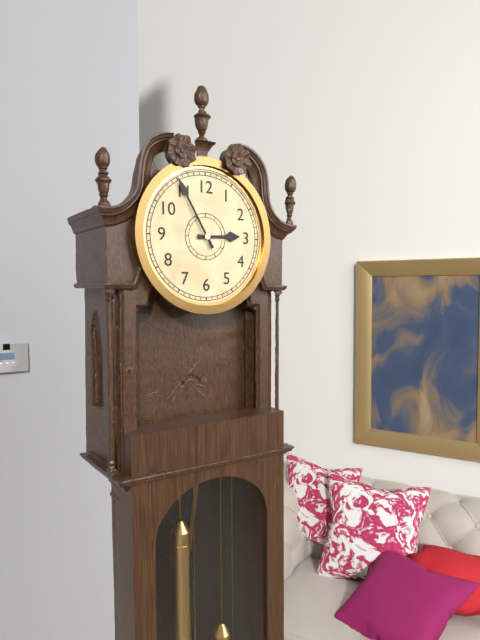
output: 2.55
